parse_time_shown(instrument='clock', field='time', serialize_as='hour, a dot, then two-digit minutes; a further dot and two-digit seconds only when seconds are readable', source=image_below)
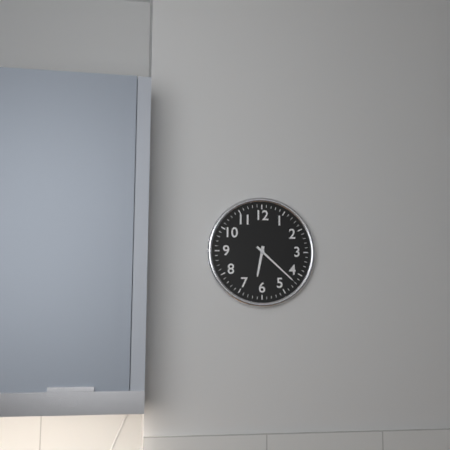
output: 6.22
